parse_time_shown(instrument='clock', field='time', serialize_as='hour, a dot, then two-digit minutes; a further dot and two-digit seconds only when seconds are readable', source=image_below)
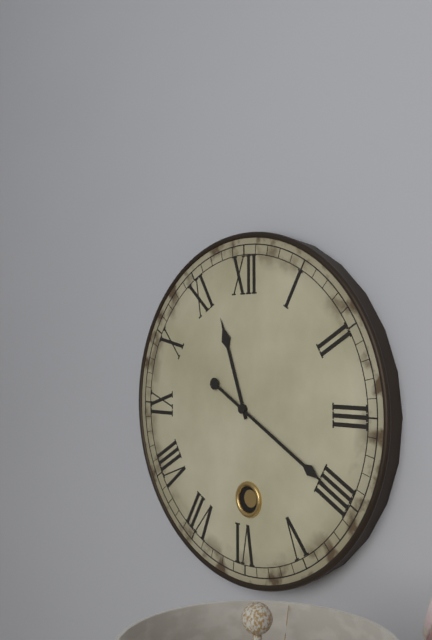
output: 11.20
